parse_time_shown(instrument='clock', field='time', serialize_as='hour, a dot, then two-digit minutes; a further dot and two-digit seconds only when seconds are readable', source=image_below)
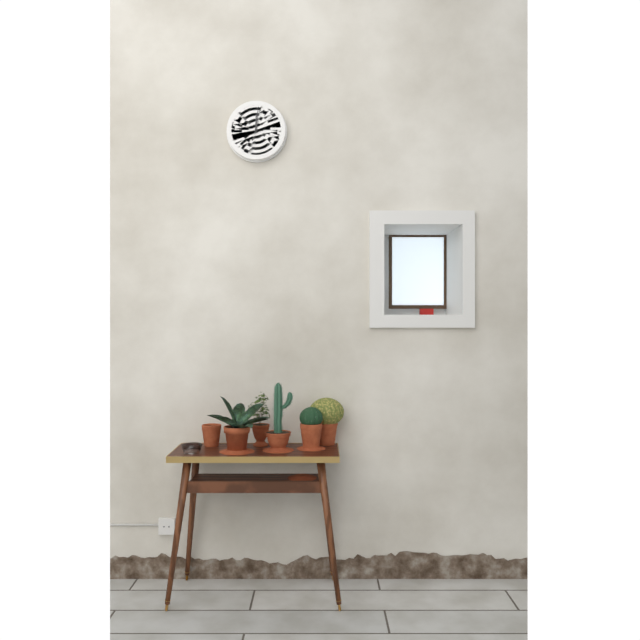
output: 12.01
